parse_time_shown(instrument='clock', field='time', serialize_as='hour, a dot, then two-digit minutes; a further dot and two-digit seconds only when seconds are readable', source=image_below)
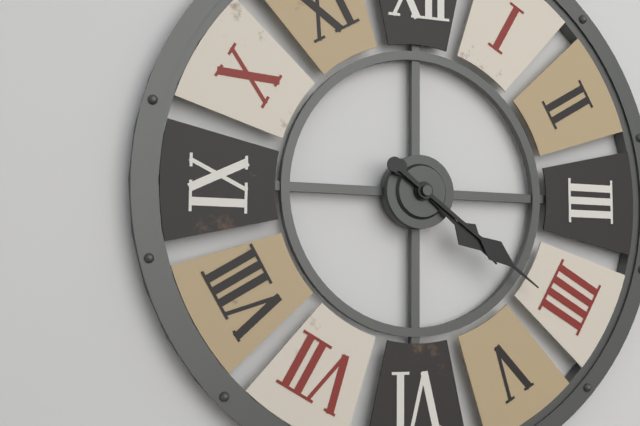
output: 4.21
